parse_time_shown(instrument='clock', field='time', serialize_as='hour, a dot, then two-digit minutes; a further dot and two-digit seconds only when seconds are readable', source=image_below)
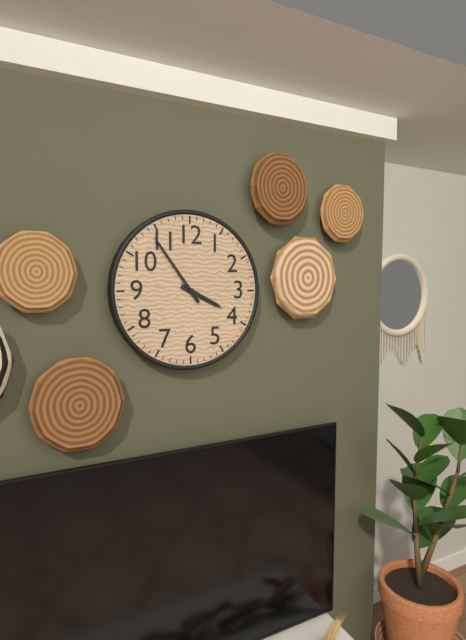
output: 3.54
